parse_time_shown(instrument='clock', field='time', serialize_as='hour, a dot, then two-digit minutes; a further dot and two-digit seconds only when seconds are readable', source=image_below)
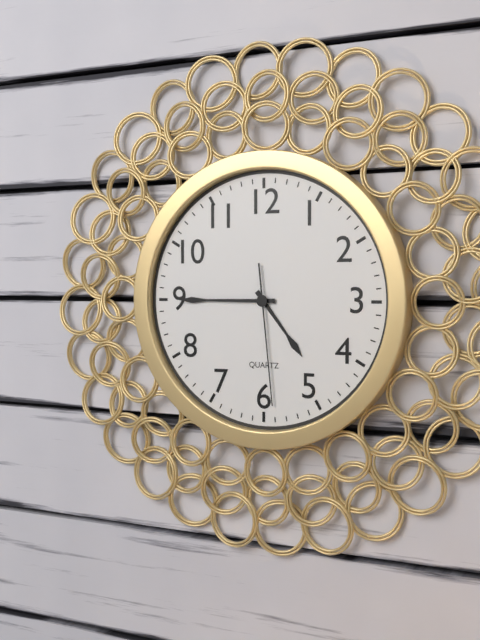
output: 4.45.29
